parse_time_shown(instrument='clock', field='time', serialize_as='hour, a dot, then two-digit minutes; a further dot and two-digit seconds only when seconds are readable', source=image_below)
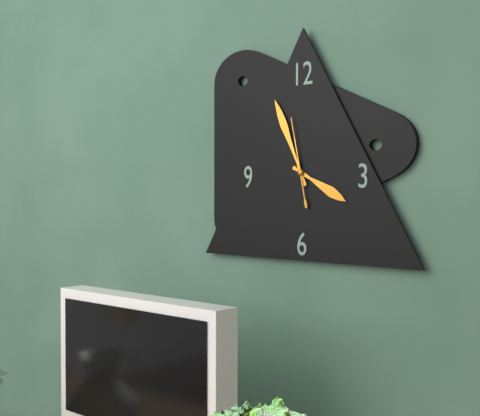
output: 3.56.58
